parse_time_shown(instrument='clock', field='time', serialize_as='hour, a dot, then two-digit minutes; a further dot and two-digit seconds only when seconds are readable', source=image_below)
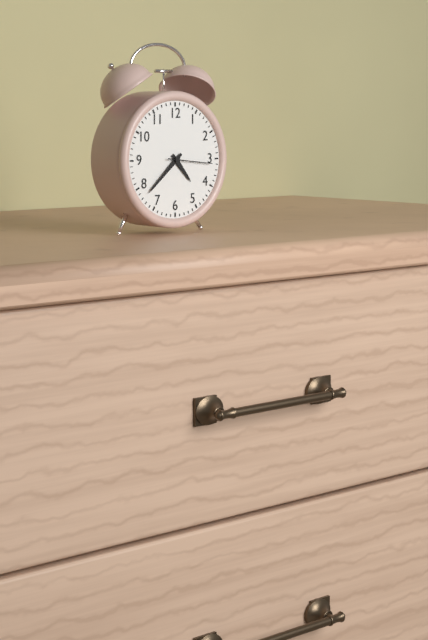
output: 4.38
